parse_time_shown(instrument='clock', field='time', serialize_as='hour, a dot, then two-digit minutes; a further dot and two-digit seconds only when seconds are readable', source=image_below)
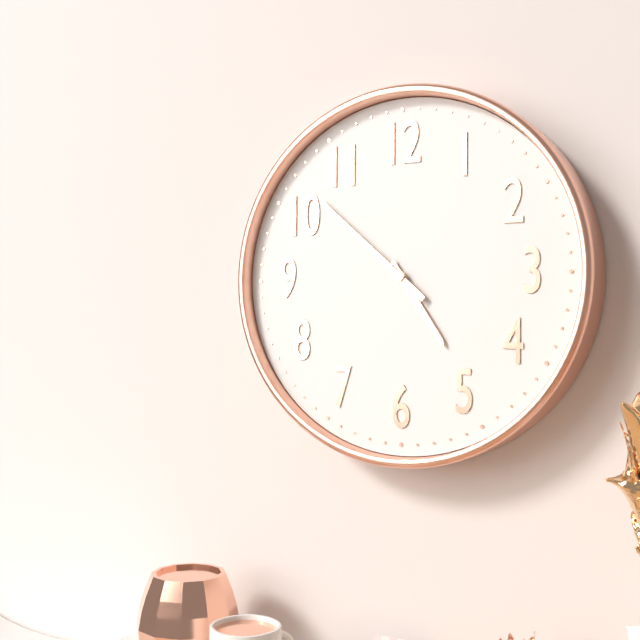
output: 4.52
